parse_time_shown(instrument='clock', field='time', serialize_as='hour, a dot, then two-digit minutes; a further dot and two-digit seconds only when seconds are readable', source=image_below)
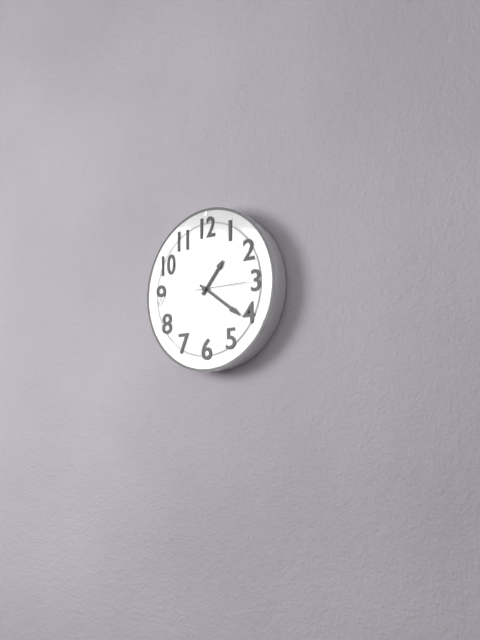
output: 1.21.15
